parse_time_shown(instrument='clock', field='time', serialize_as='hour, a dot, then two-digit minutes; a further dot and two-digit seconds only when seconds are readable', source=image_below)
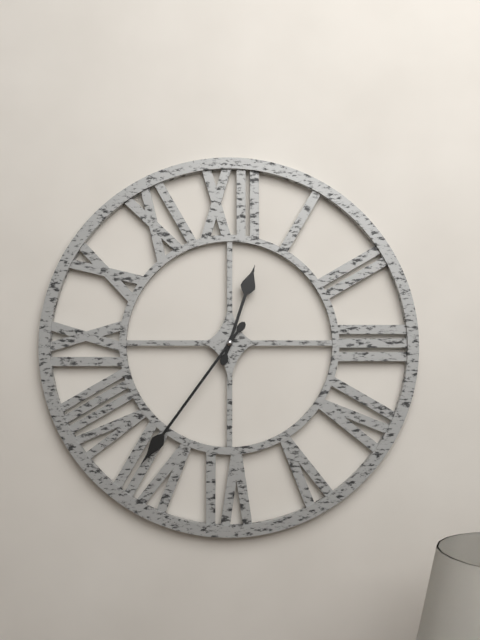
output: 12.36
